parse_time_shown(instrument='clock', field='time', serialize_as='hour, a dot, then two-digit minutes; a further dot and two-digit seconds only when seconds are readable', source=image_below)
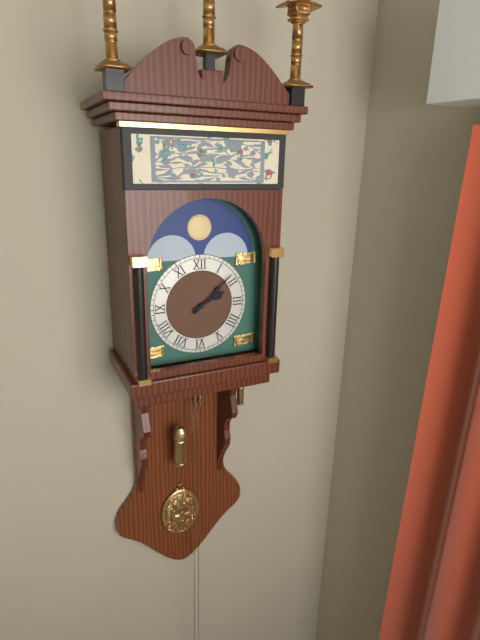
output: 2.08
